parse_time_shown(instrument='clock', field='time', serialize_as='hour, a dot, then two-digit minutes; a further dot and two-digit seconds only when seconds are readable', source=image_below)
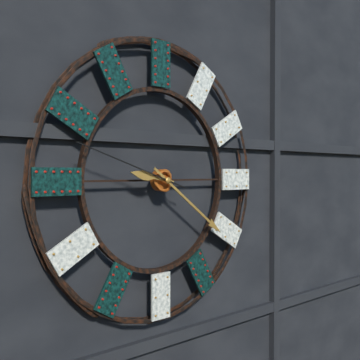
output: 9.21.48
